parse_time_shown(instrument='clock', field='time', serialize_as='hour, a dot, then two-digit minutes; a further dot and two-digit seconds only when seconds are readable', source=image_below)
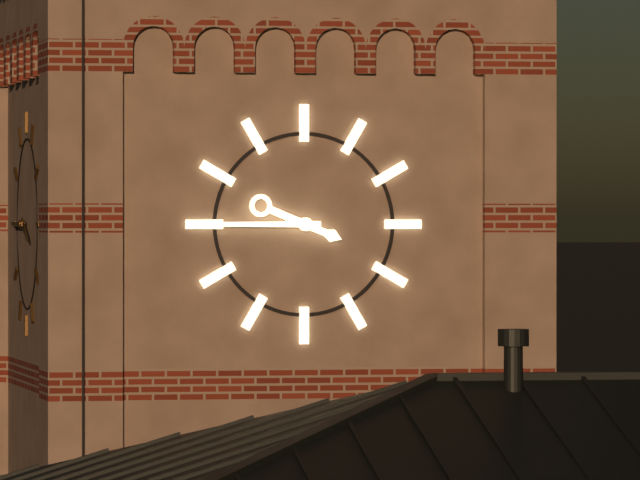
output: 3.45
